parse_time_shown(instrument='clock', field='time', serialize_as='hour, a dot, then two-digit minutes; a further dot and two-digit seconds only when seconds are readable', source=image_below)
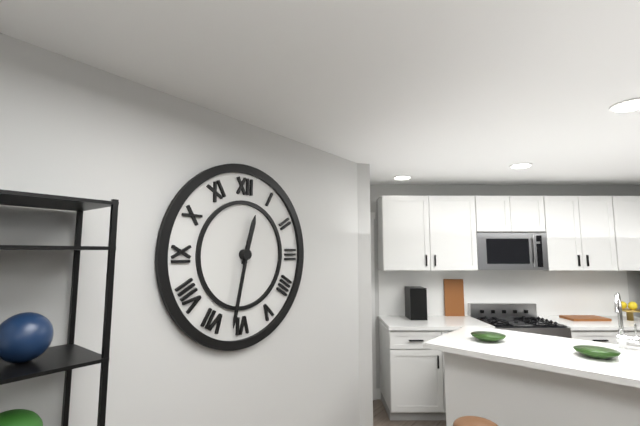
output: 12.32
